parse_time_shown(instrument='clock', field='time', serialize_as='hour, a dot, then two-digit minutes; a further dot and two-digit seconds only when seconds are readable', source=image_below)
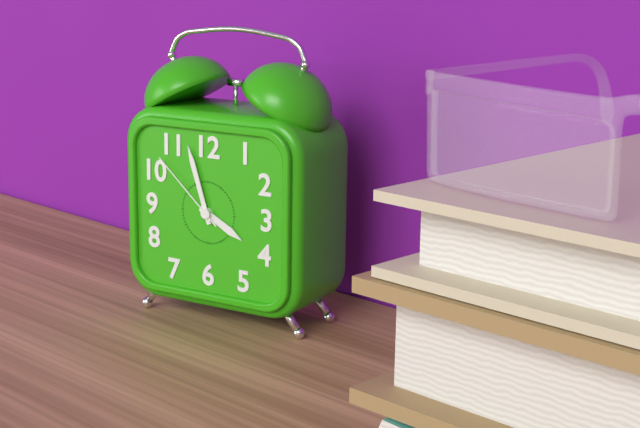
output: 3.57.52
